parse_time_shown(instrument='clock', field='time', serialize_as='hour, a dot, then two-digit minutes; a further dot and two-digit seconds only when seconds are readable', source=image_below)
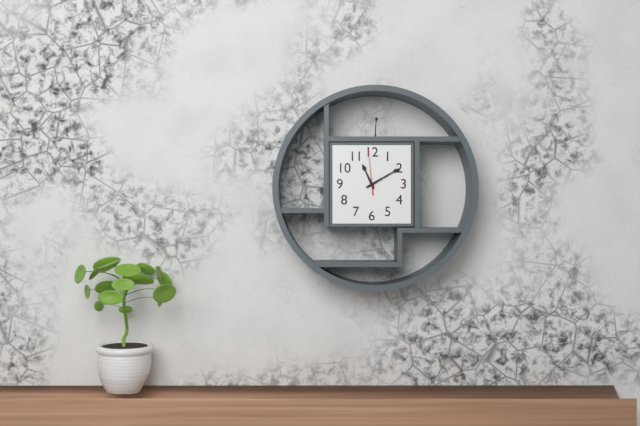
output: 11.10
